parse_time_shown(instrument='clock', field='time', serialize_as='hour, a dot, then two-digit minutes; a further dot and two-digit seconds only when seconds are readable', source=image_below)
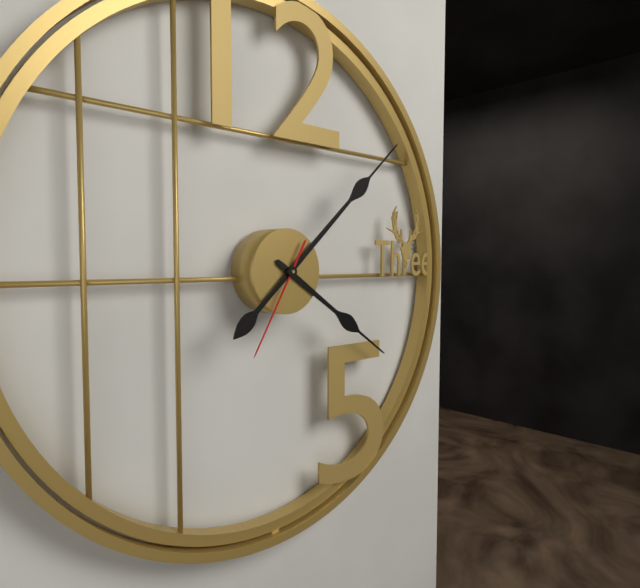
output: 4.08.35
